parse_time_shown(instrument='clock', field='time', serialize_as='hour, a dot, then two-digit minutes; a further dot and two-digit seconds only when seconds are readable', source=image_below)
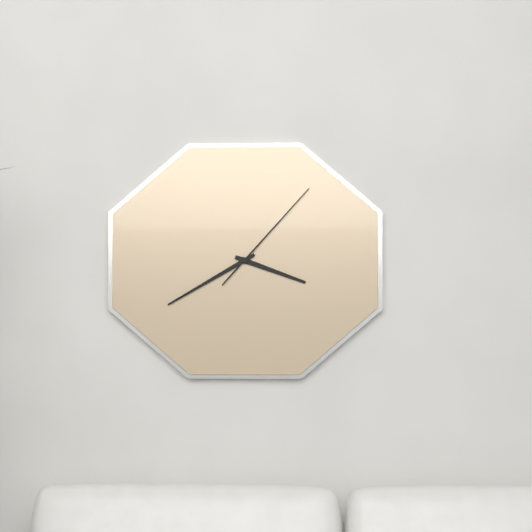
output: 3.40.07
